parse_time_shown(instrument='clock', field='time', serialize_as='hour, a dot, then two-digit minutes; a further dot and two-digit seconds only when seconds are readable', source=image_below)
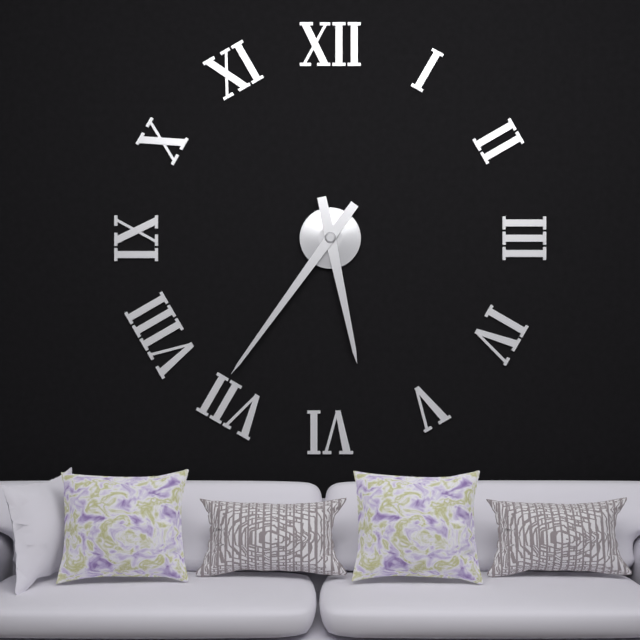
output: 5.36
